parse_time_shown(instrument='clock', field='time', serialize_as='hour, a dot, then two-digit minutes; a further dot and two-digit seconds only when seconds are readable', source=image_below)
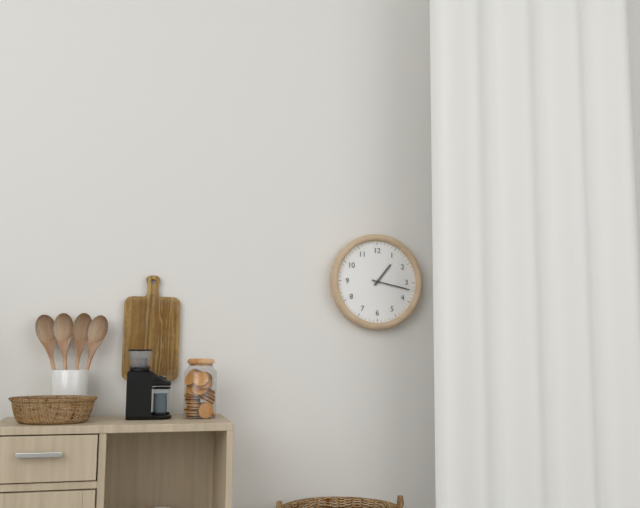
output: 1.17
